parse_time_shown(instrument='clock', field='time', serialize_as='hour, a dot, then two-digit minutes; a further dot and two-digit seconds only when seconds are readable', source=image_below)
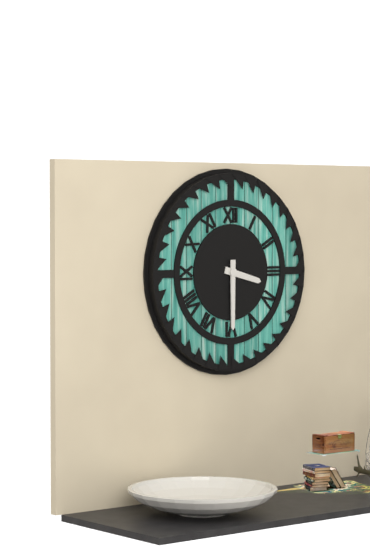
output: 3.30
